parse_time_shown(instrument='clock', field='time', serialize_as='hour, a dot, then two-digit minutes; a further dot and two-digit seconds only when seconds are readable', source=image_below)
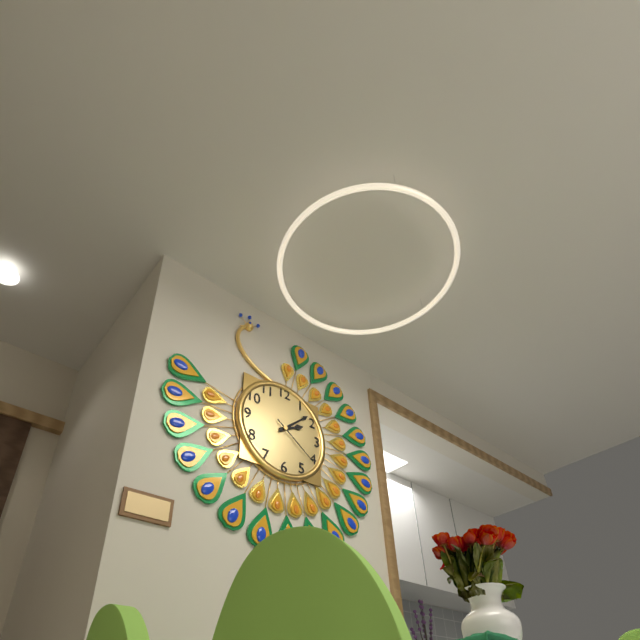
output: 2.08.21
